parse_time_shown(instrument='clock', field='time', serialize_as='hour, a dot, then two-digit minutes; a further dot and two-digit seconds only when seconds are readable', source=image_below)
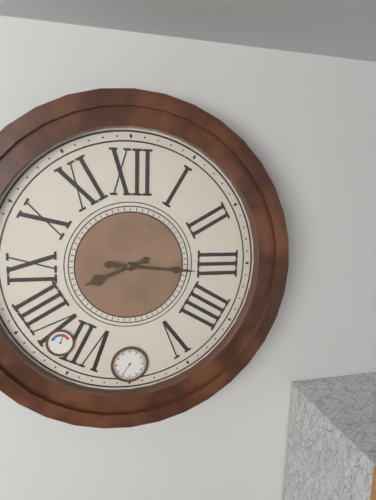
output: 8.16
